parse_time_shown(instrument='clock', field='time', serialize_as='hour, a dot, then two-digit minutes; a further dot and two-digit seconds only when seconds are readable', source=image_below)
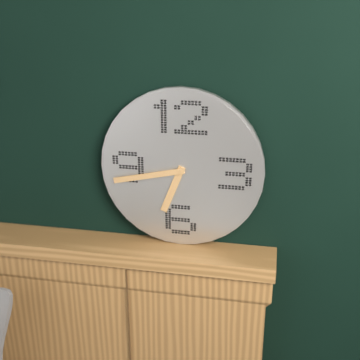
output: 6.43
